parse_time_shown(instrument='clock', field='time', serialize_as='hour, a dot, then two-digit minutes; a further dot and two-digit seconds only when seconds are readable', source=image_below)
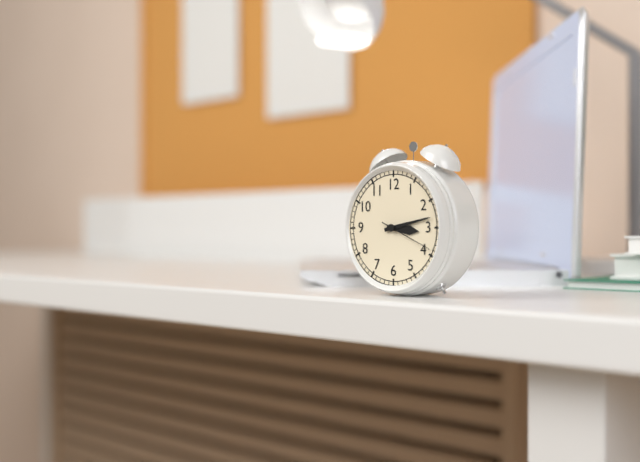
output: 3.13.19
